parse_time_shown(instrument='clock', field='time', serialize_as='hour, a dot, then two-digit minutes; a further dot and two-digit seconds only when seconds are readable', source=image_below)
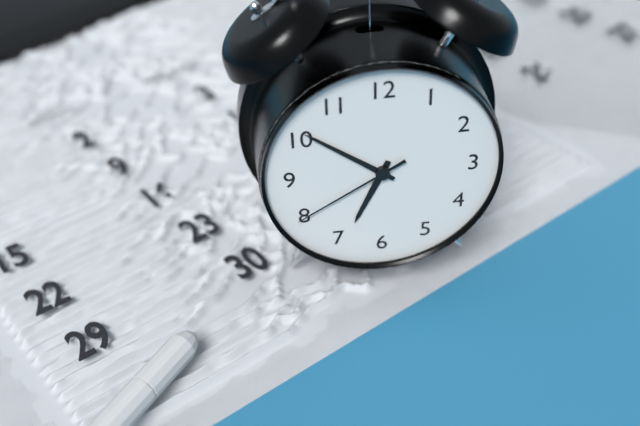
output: 6.51.40
